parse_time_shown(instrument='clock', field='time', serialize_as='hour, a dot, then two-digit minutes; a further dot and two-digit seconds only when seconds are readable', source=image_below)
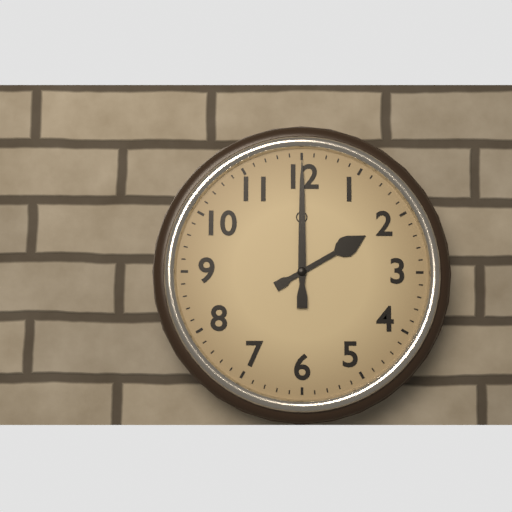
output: 2.00
